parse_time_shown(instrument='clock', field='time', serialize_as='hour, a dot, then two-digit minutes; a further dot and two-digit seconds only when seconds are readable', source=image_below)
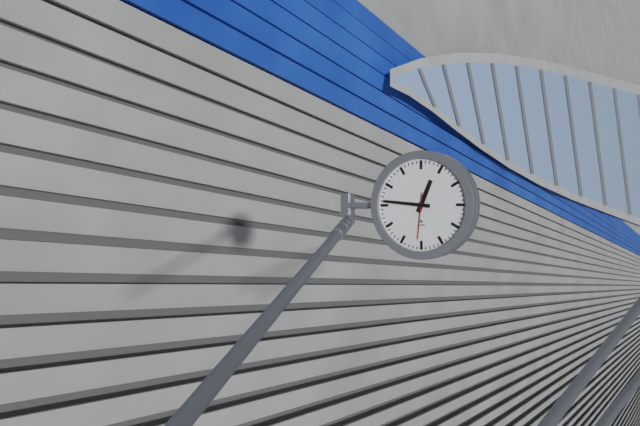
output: 12.46
